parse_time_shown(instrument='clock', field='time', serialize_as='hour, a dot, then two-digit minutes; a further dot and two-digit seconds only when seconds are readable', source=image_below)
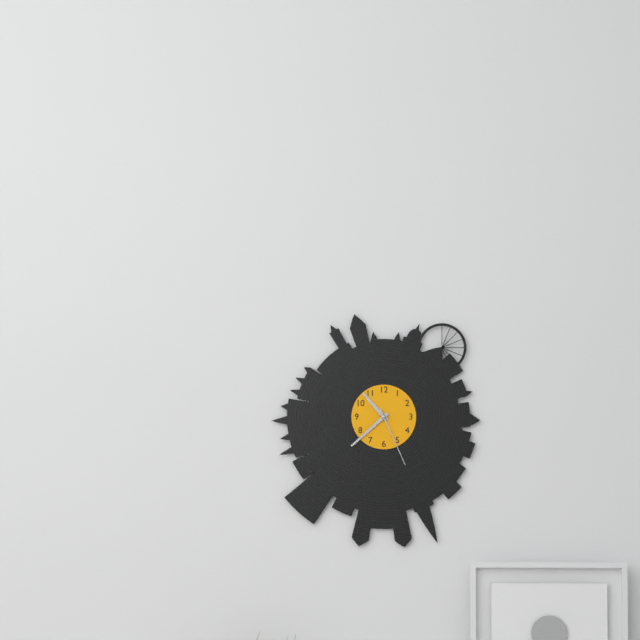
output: 10.38.26
